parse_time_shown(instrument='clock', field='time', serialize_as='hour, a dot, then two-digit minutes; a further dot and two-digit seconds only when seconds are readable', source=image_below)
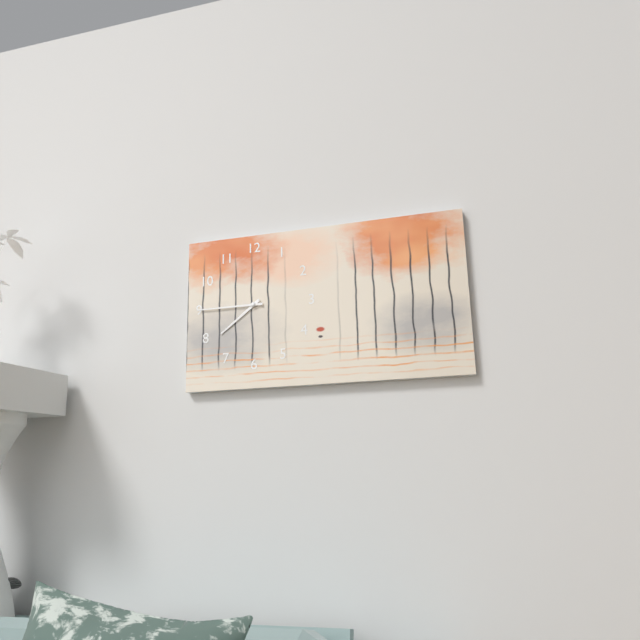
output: 7.45
